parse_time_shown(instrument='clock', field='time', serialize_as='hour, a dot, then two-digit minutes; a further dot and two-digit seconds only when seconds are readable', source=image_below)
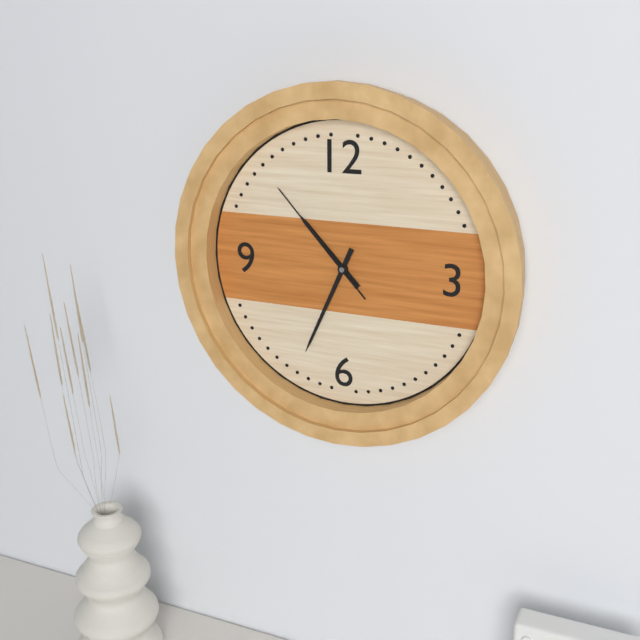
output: 10.34.53
